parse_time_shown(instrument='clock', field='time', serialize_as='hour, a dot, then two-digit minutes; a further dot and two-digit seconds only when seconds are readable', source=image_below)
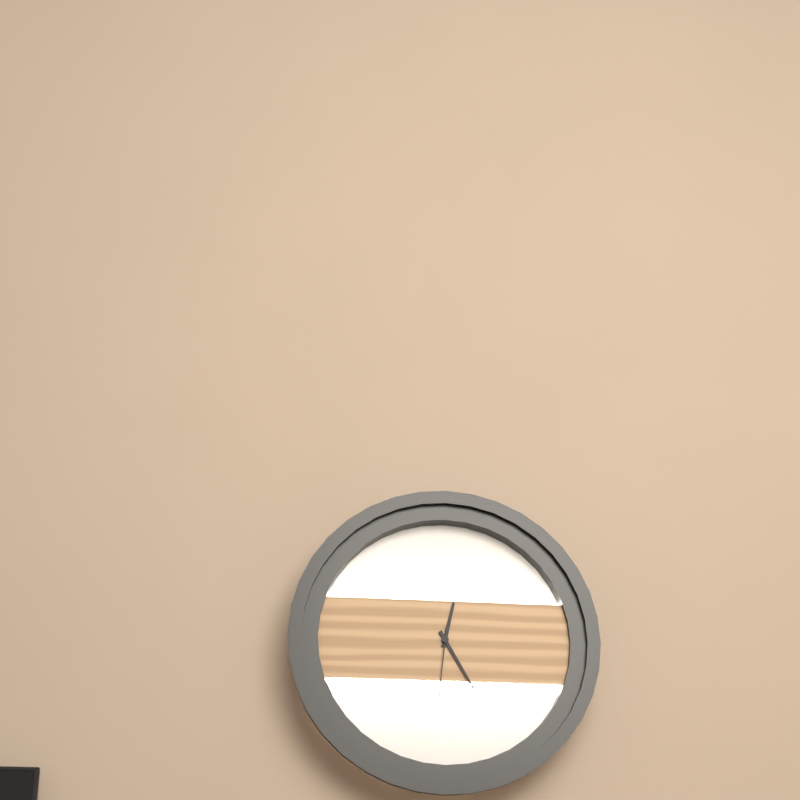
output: 12.25.31
